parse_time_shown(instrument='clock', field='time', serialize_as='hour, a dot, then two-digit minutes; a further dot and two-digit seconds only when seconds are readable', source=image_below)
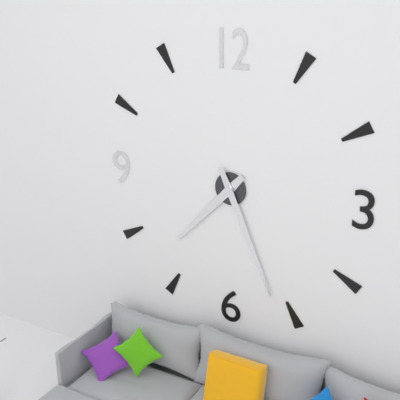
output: 7.26
